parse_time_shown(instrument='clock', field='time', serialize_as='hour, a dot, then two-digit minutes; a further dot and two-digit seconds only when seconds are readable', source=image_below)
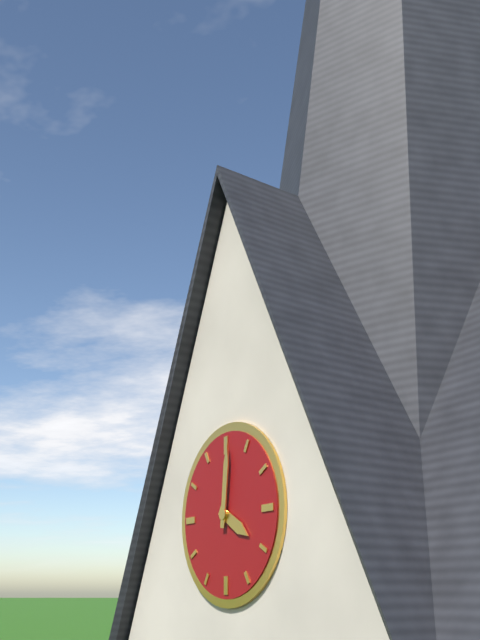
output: 4.01
